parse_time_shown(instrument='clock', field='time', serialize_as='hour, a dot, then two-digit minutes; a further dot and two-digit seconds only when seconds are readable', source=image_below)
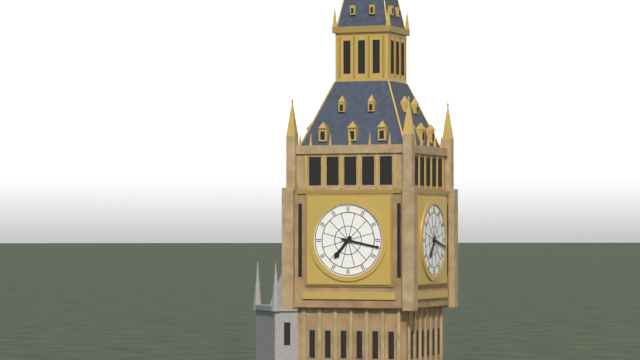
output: 7.17
